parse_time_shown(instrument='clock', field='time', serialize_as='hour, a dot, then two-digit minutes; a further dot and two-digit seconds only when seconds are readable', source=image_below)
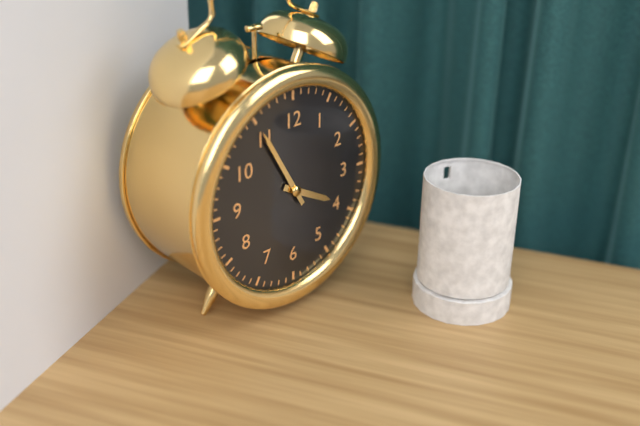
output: 3.55
